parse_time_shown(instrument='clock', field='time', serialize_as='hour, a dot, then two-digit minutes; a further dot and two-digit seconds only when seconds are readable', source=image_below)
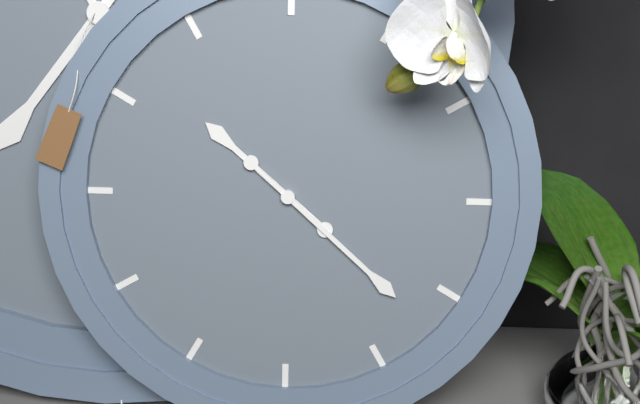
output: 10.22
